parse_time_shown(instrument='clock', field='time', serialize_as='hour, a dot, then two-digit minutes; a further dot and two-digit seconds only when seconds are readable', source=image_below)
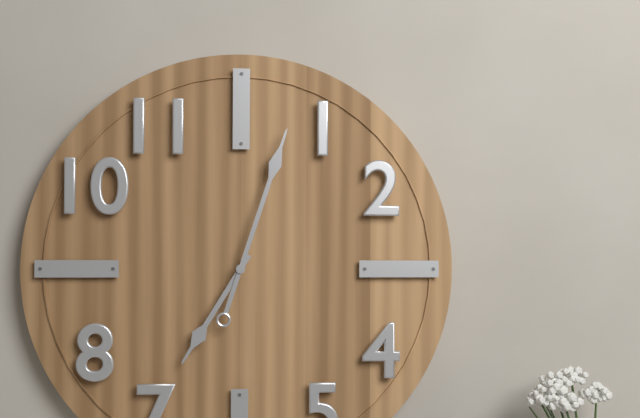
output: 7.03
